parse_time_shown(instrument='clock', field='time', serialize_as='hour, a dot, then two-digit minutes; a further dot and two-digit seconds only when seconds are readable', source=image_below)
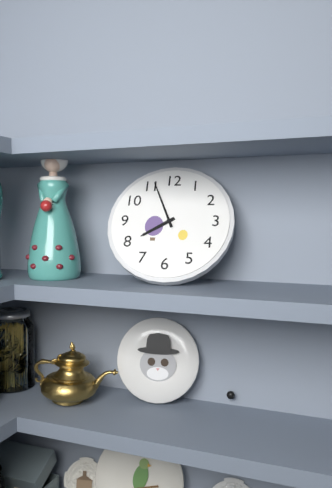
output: 7.56
